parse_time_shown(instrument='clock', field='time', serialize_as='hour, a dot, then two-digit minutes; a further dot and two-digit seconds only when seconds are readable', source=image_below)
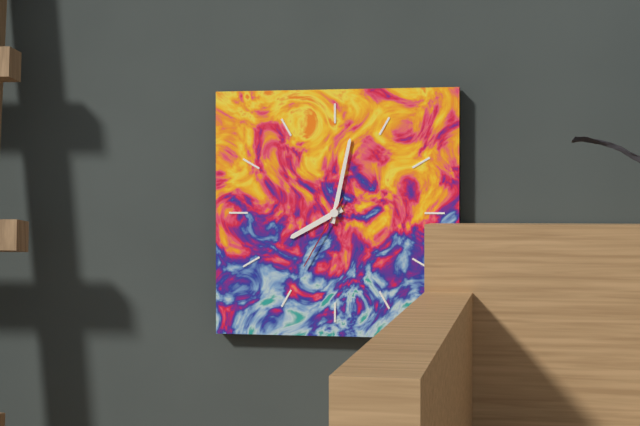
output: 8.02.35
